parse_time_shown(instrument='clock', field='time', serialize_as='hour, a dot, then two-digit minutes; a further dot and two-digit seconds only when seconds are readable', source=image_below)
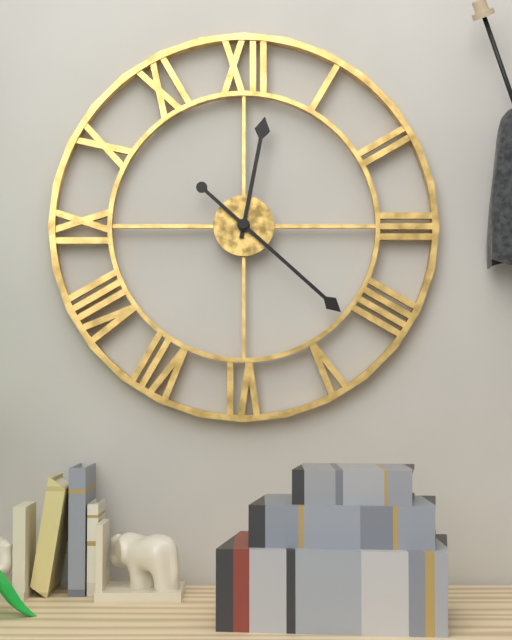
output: 12.22
